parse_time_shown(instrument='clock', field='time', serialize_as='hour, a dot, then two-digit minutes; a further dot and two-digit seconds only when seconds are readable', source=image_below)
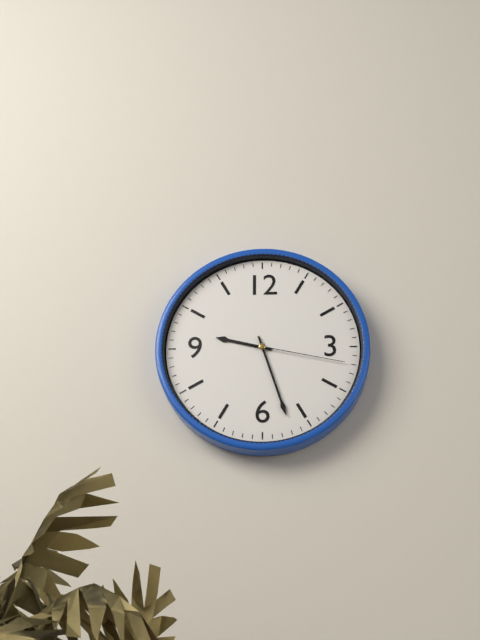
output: 9.27.17
